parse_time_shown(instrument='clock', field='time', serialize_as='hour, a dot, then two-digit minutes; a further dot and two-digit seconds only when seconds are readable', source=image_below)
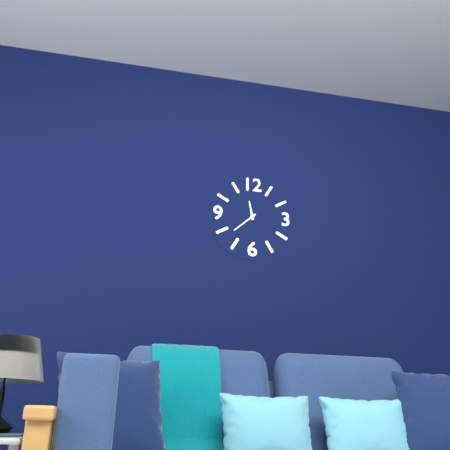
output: 11.38
